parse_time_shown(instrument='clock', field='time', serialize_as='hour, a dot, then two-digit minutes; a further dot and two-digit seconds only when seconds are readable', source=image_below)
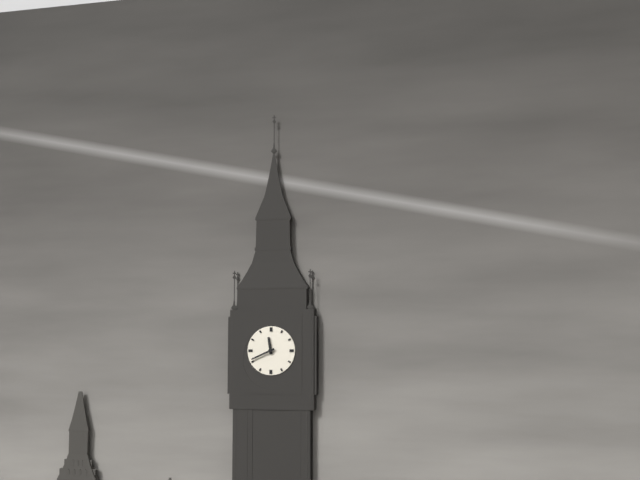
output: 11.41
